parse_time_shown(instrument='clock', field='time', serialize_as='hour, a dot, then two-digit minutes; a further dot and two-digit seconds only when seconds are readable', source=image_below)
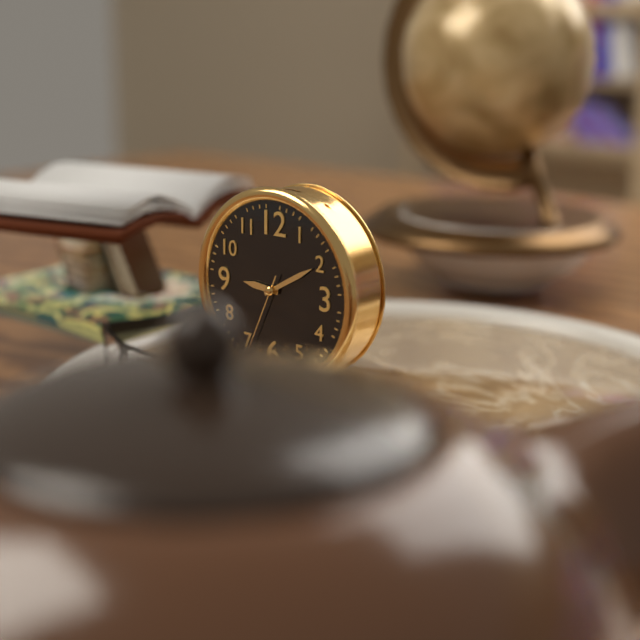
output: 9.10.34
